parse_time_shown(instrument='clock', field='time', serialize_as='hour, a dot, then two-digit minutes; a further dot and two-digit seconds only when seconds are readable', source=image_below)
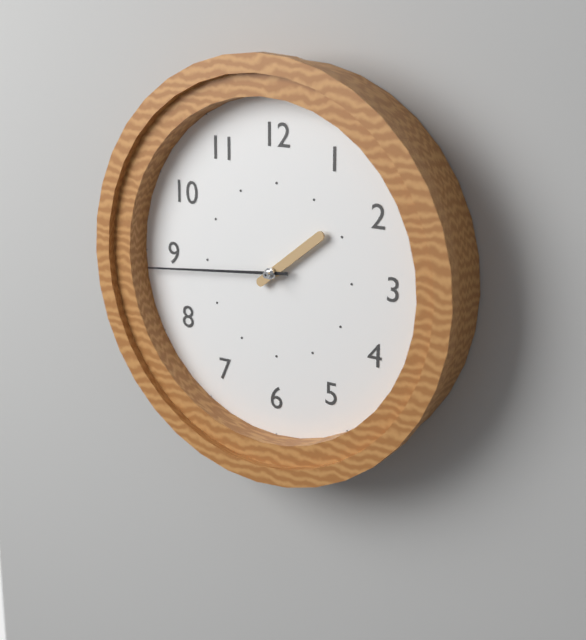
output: 1.44
